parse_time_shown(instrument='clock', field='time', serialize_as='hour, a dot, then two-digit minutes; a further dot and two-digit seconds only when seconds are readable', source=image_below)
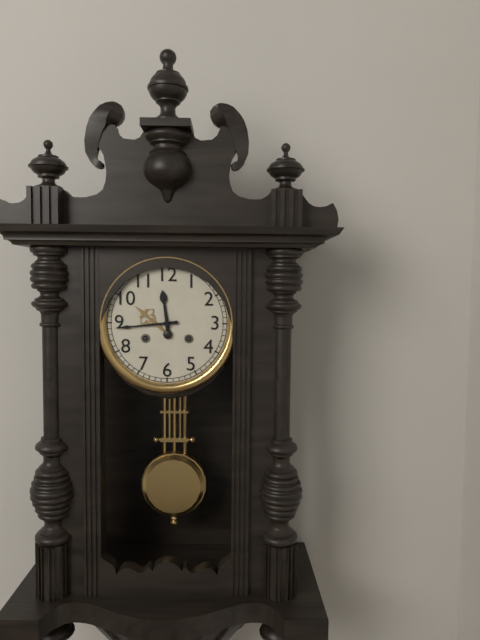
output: 11.44
